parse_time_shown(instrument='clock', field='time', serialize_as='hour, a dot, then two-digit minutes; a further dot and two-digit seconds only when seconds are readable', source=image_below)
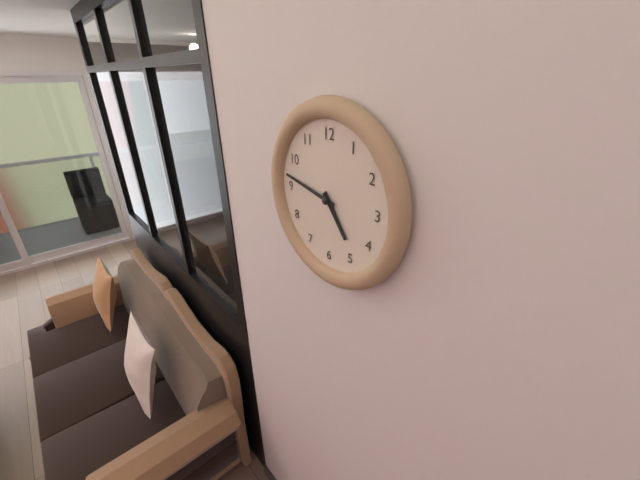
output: 4.47
